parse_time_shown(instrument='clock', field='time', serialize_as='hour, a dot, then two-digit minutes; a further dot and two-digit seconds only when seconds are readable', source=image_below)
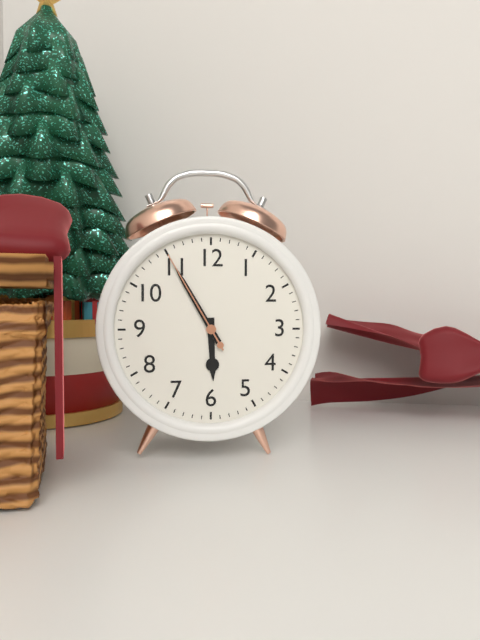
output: 5.55.55
